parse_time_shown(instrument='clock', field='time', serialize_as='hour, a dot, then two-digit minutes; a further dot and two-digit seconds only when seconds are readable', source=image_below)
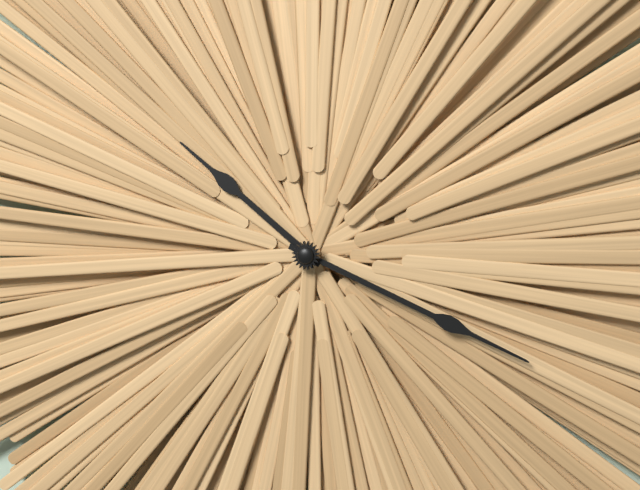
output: 10.19
